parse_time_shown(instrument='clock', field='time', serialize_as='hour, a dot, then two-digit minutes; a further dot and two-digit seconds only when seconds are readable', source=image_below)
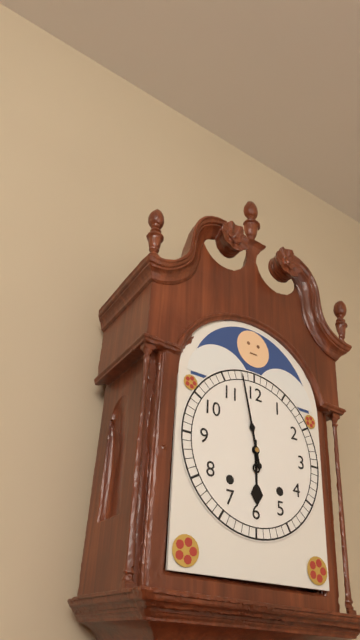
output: 5.58
